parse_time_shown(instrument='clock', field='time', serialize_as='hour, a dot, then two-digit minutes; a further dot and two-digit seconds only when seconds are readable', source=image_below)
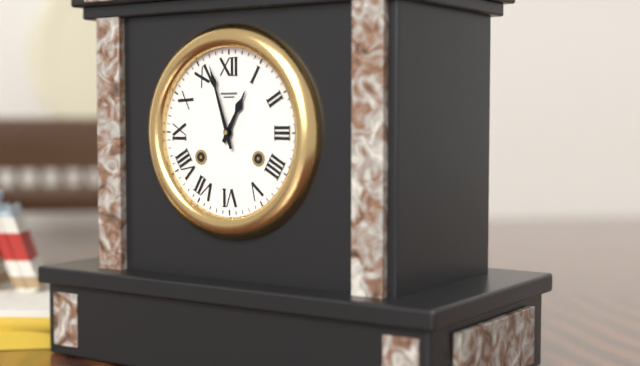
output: 12.57
